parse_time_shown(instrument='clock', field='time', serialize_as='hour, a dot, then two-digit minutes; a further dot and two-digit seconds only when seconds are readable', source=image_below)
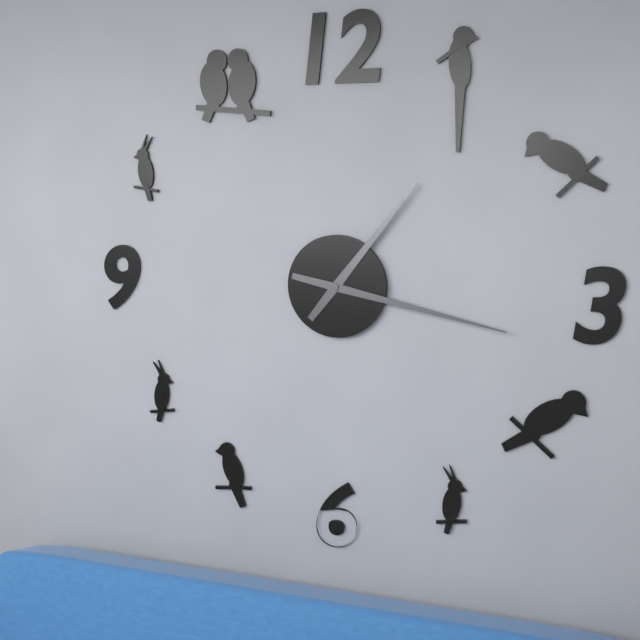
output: 1.17
